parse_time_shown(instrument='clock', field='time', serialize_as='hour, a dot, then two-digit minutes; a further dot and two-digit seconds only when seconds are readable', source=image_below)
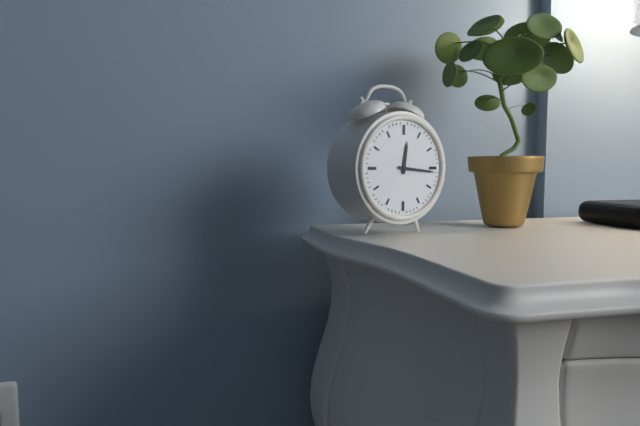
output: 12.16
